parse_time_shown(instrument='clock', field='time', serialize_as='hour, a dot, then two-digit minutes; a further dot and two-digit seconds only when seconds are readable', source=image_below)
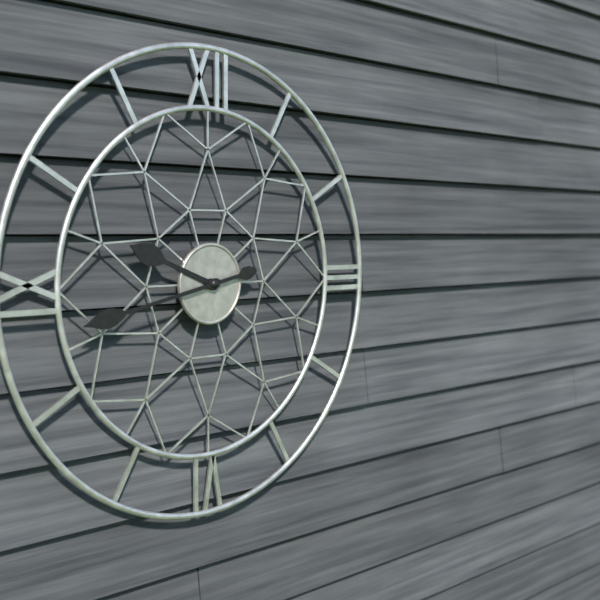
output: 9.43
